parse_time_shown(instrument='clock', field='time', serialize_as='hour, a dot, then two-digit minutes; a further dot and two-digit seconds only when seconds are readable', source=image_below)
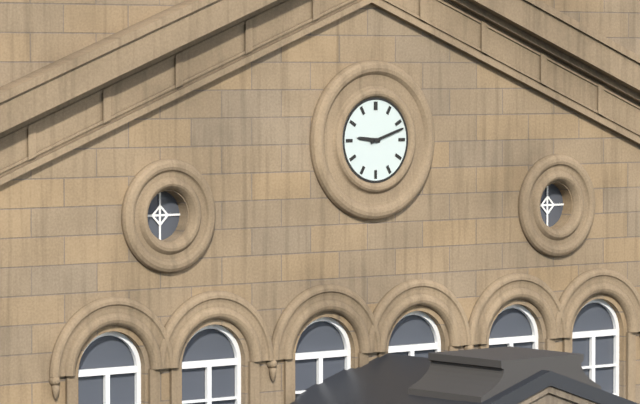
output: 9.12
